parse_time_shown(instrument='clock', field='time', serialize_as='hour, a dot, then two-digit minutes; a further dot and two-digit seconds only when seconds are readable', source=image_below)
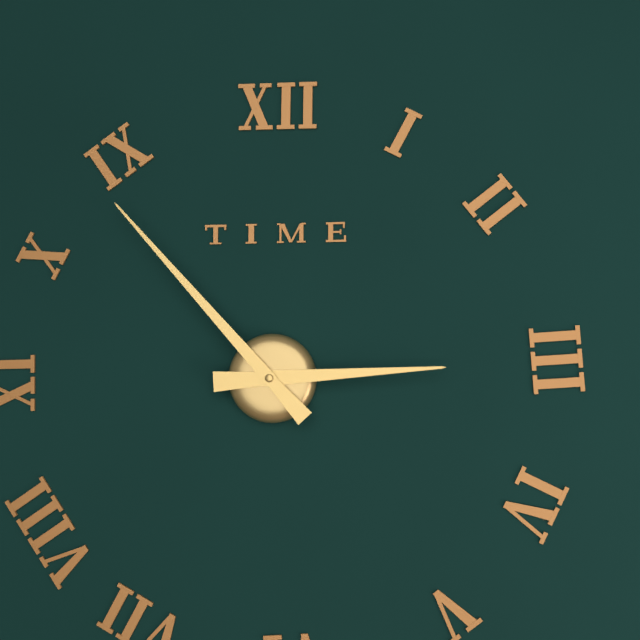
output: 2.53
